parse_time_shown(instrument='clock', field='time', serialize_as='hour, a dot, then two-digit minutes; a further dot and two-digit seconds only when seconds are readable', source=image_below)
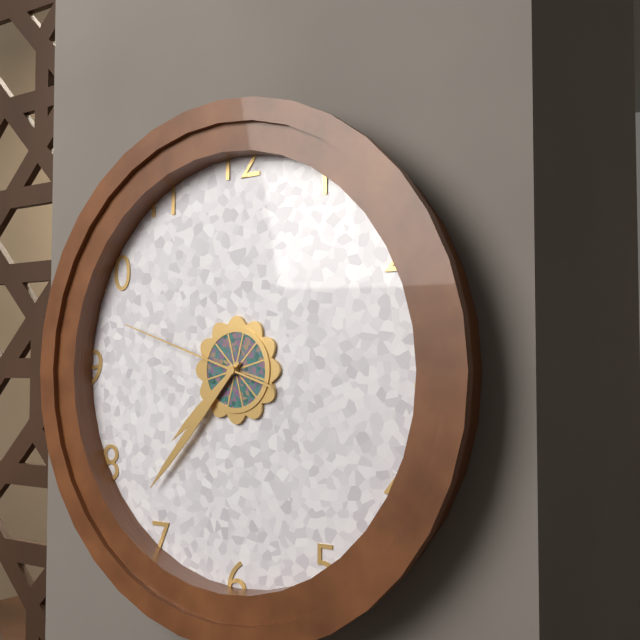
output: 7.37.48
